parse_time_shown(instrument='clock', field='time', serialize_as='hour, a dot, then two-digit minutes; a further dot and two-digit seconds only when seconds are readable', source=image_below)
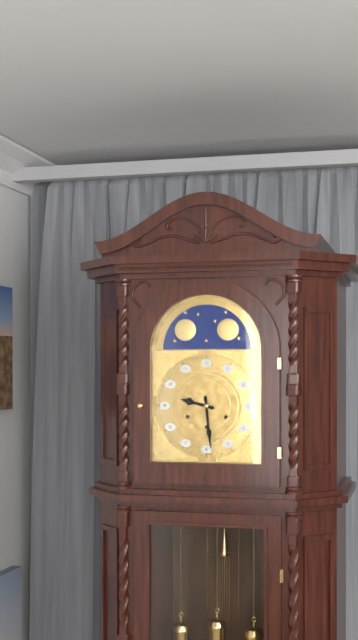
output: 9.29
